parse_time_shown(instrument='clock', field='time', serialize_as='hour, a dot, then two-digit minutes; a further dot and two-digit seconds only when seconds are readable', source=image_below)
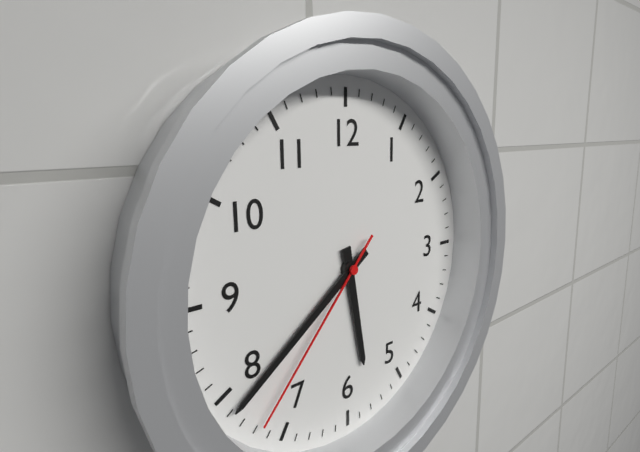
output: 5.39.37
